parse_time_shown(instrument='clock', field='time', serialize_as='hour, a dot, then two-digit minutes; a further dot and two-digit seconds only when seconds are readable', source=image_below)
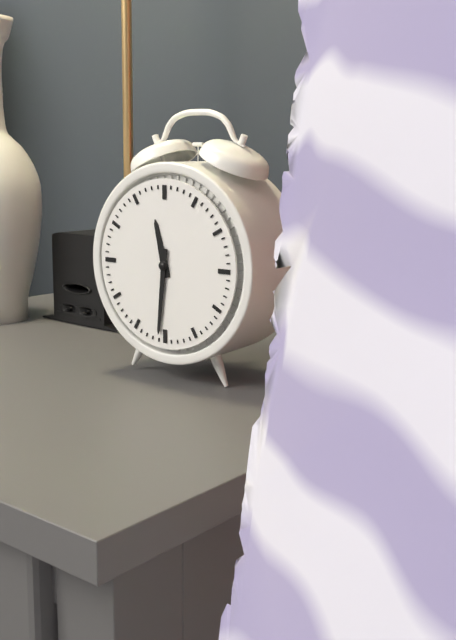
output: 11.31
